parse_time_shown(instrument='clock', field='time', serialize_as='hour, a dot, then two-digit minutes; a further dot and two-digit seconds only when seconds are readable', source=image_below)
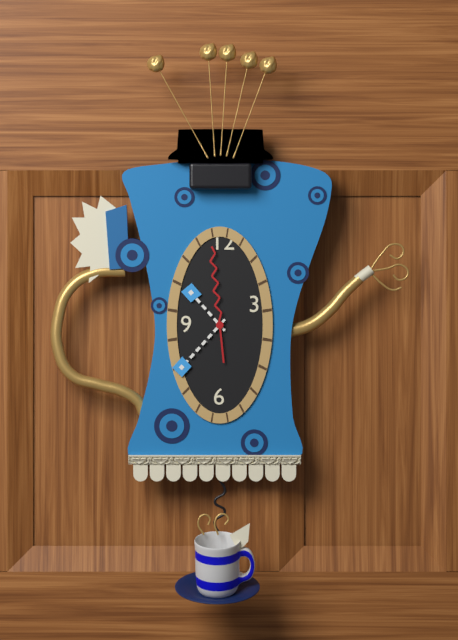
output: 10.37.59
